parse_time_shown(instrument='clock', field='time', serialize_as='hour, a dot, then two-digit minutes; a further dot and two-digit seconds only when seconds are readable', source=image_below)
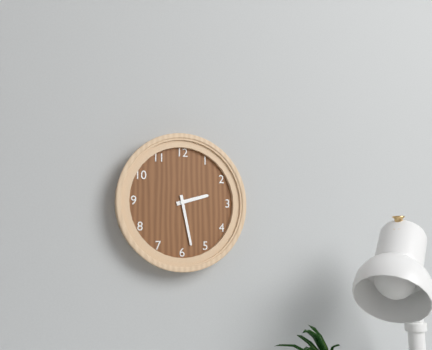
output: 2.28
